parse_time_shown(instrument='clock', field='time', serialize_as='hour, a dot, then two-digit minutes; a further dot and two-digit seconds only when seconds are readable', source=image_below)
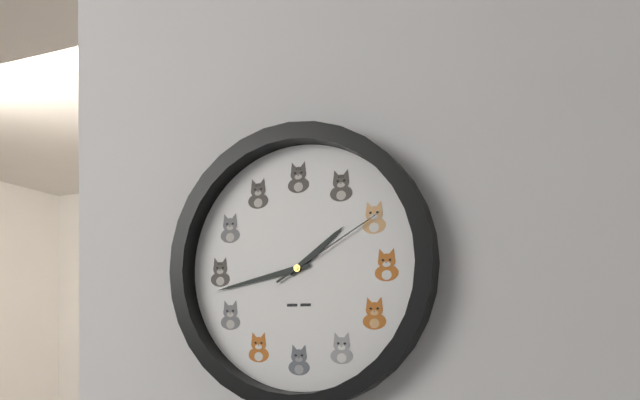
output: 1.43.10
